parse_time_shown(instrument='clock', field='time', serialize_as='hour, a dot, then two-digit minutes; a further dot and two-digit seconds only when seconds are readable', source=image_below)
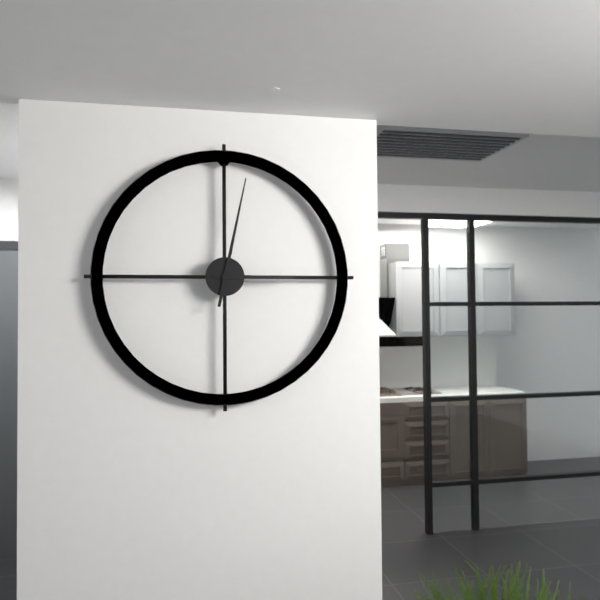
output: 3.02
